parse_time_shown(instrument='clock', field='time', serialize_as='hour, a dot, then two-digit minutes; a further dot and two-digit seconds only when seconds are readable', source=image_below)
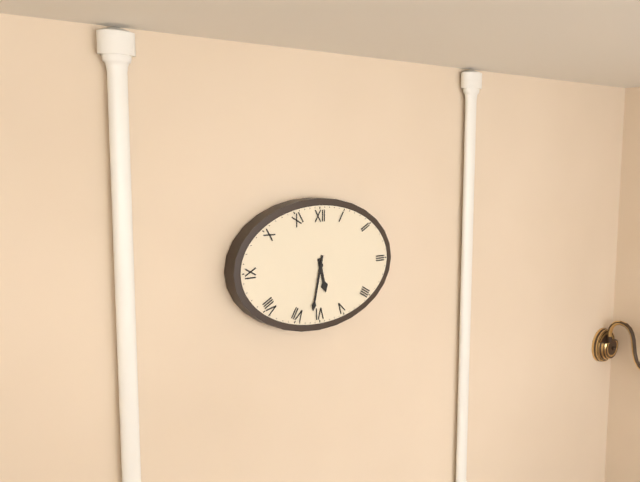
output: 5.32
